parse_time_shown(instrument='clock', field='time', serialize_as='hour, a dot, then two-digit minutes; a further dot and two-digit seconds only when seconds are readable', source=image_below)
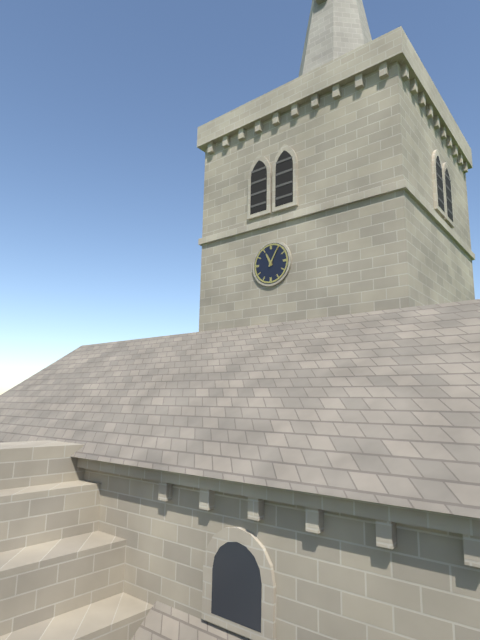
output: 11.05
